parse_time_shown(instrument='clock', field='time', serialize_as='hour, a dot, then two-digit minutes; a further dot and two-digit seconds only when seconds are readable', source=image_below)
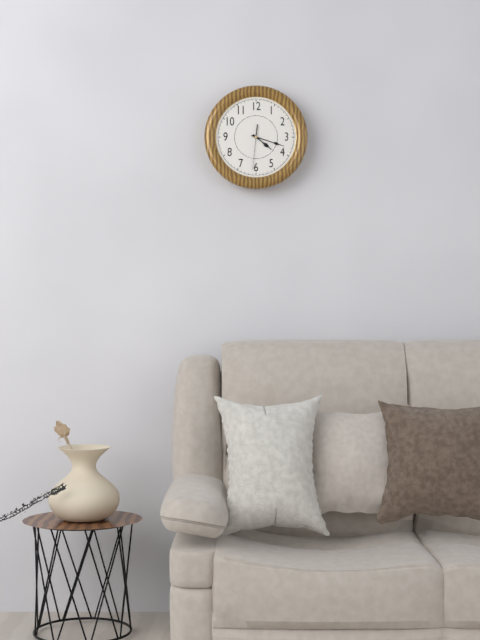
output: 4.18
